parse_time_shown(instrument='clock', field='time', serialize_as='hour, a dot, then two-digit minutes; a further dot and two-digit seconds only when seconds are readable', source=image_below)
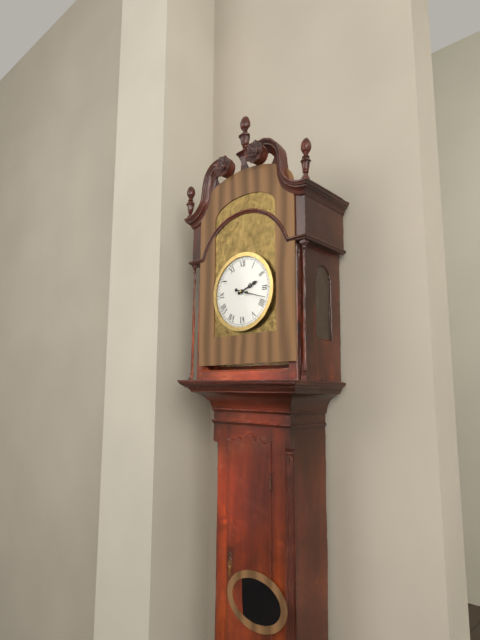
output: 2.18
